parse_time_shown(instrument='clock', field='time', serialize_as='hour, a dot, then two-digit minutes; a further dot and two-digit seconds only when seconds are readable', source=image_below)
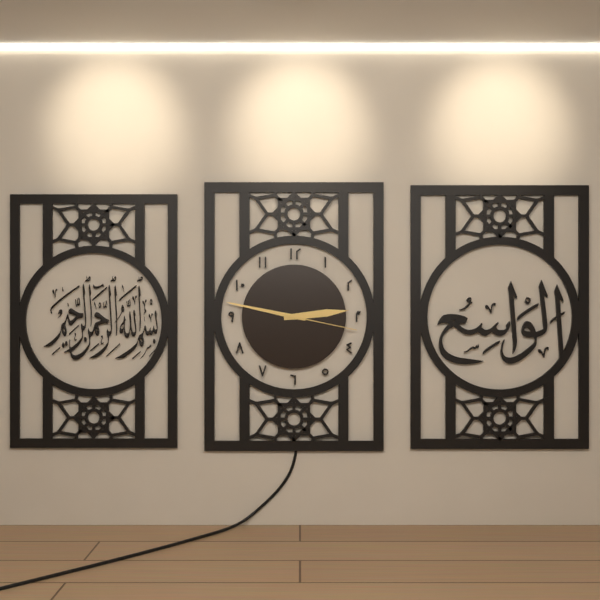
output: 2.47.17
